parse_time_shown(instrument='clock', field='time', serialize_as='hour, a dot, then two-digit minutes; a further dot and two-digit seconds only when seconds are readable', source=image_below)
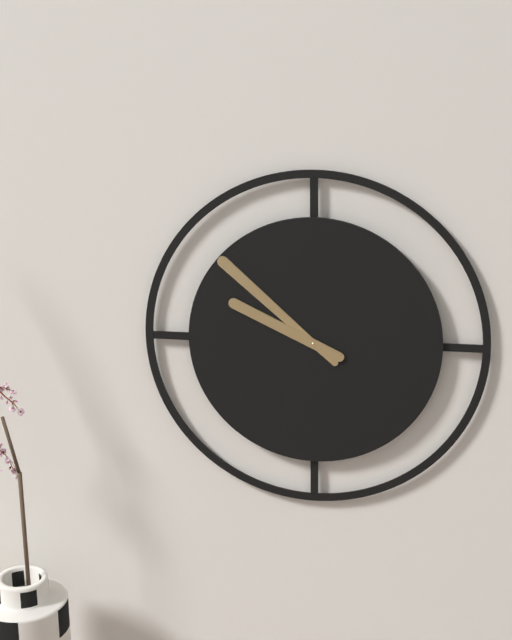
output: 9.52
